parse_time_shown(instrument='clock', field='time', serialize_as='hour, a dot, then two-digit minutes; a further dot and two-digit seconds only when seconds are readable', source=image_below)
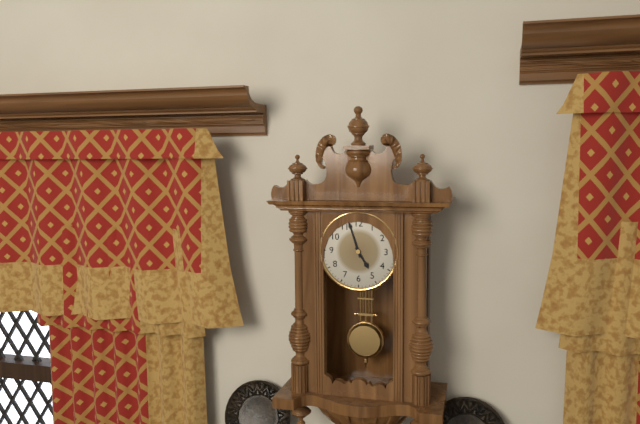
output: 4.57
